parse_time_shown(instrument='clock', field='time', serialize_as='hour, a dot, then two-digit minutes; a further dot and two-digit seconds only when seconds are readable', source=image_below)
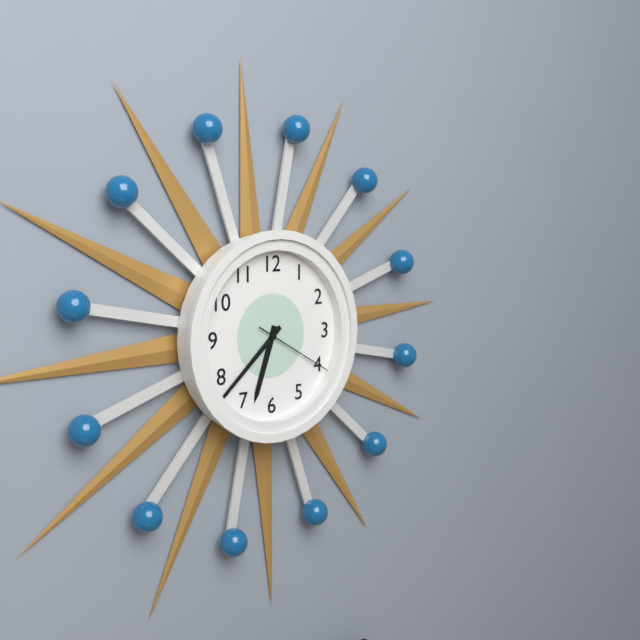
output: 6.38.20
